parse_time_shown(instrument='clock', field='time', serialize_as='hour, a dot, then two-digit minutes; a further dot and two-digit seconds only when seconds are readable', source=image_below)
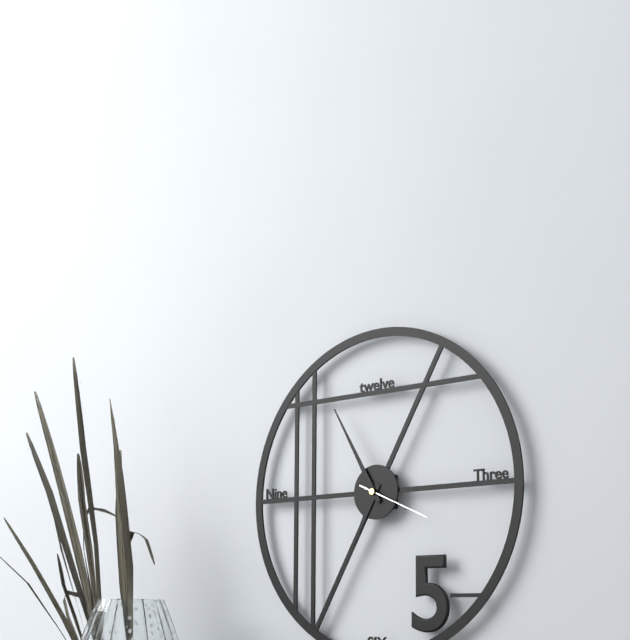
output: 6.55.19
